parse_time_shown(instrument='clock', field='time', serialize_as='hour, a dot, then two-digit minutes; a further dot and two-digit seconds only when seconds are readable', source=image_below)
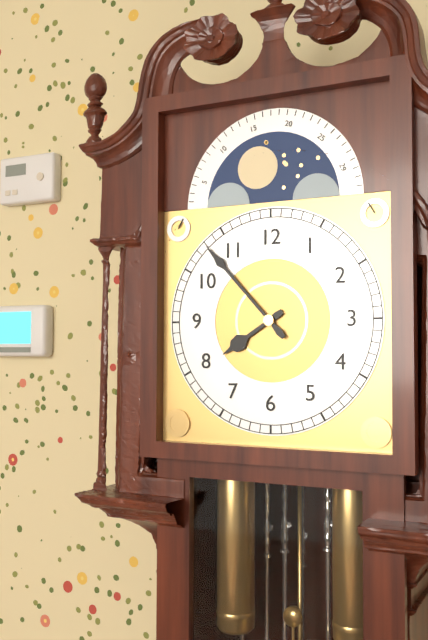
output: 7.53
